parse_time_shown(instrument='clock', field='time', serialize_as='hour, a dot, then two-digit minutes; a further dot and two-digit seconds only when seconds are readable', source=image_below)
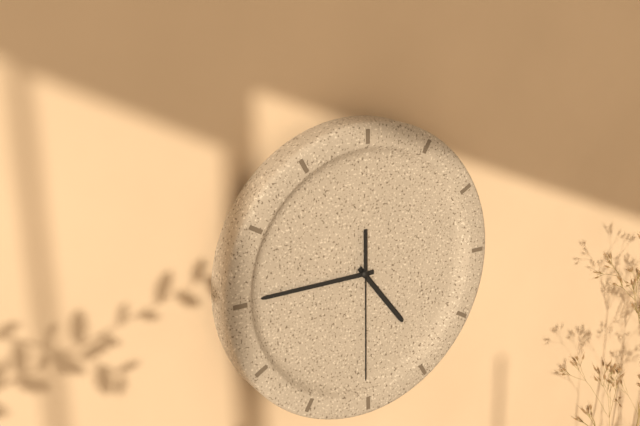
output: 4.45.30
